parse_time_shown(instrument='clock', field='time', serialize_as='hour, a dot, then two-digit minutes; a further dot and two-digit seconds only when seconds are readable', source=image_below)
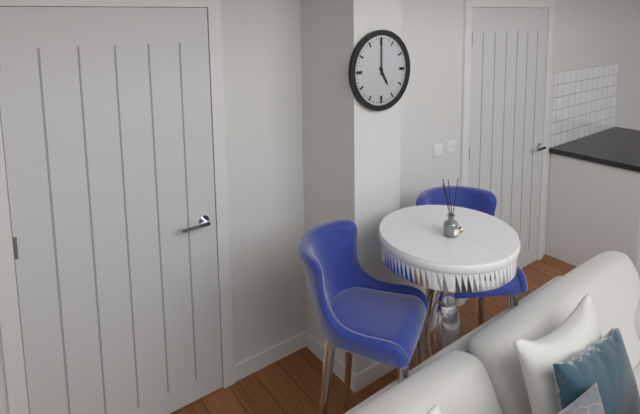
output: 5.00
